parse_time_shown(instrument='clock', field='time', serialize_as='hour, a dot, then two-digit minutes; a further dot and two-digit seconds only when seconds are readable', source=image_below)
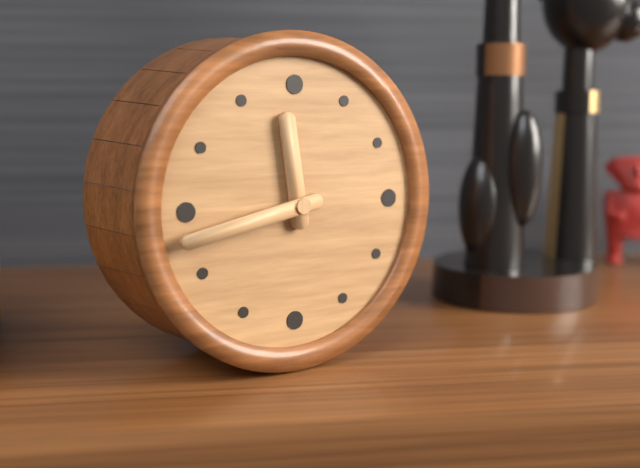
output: 11.43
